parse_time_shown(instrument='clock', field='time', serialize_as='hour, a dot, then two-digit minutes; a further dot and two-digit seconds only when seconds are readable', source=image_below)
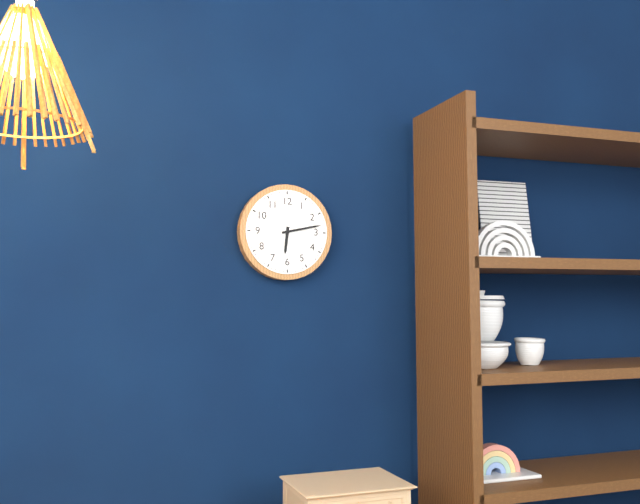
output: 6.13
